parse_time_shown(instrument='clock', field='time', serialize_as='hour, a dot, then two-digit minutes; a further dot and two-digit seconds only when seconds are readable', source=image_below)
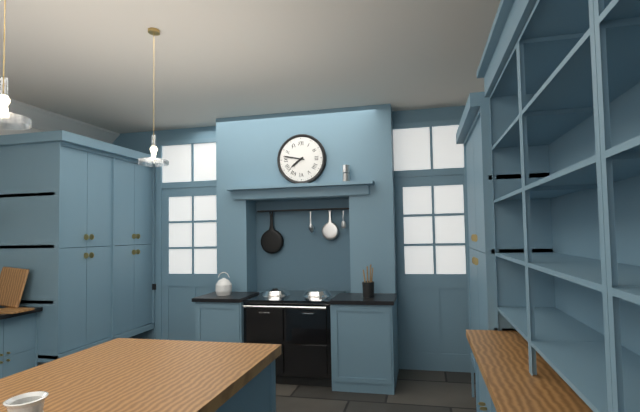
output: 7.47
